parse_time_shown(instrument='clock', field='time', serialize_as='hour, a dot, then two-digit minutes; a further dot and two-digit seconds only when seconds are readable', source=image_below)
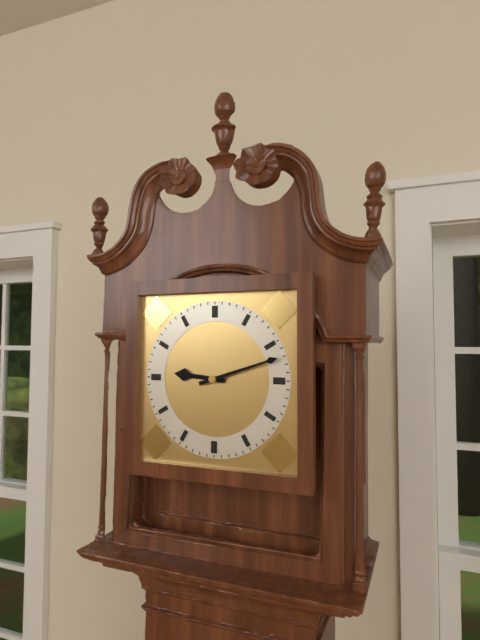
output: 9.12
